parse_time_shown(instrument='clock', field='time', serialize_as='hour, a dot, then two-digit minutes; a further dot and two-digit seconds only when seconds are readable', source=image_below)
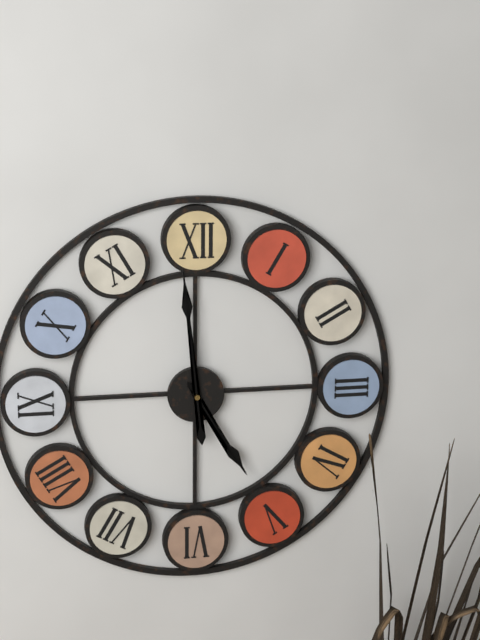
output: 4.59
